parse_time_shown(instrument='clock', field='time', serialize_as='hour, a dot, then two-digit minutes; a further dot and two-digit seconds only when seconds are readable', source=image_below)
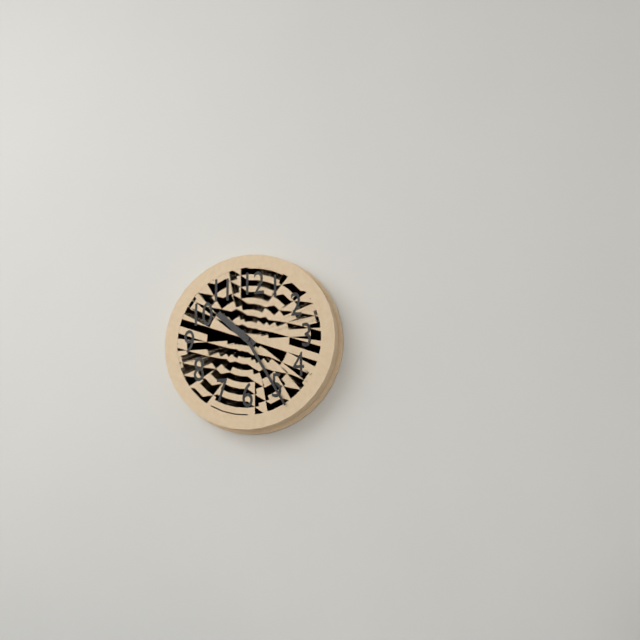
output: 10.25
